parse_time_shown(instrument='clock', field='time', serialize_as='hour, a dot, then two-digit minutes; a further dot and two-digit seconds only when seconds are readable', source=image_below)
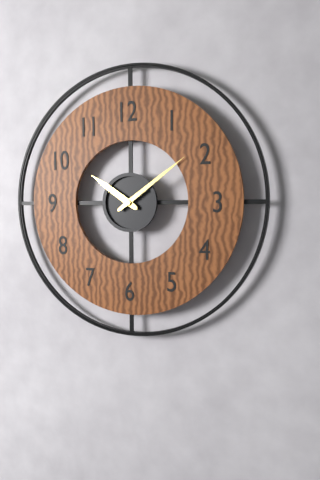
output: 10.09
